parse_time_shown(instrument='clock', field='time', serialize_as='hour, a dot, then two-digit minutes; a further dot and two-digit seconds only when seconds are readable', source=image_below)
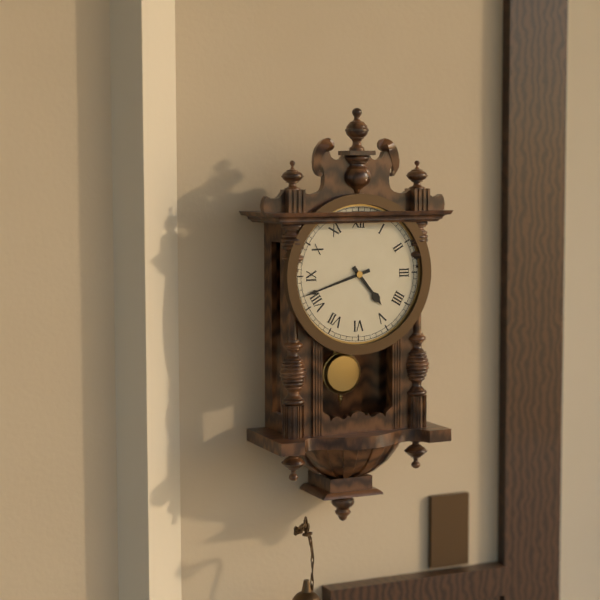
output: 4.42
